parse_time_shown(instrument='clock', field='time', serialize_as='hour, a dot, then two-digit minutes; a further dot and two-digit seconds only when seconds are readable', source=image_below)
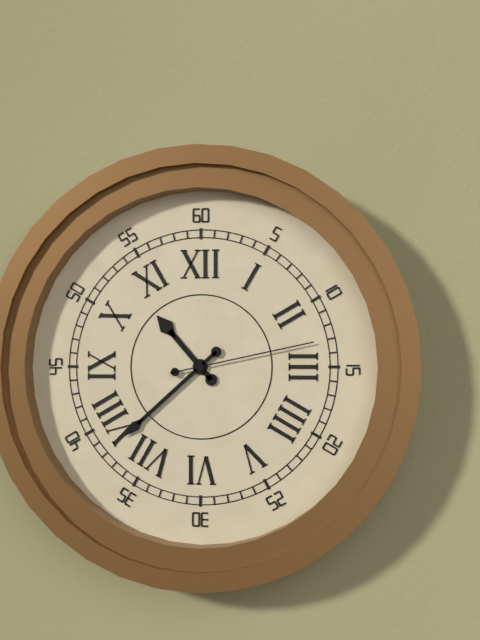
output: 10.38.13
